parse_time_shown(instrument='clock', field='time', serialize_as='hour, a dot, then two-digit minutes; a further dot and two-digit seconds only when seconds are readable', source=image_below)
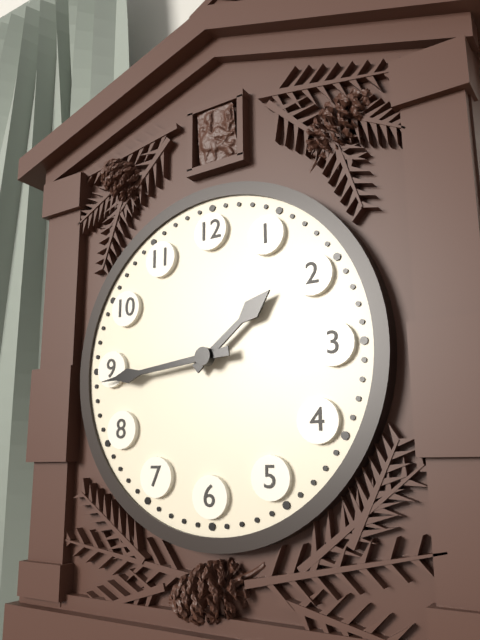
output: 1.44
